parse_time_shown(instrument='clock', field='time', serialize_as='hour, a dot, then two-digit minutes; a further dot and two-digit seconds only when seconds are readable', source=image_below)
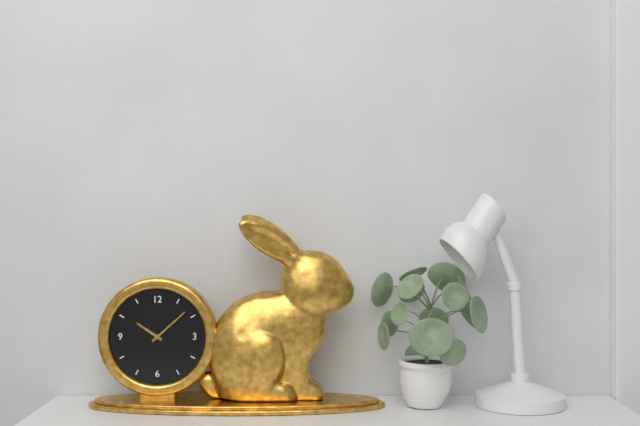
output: 10.08
